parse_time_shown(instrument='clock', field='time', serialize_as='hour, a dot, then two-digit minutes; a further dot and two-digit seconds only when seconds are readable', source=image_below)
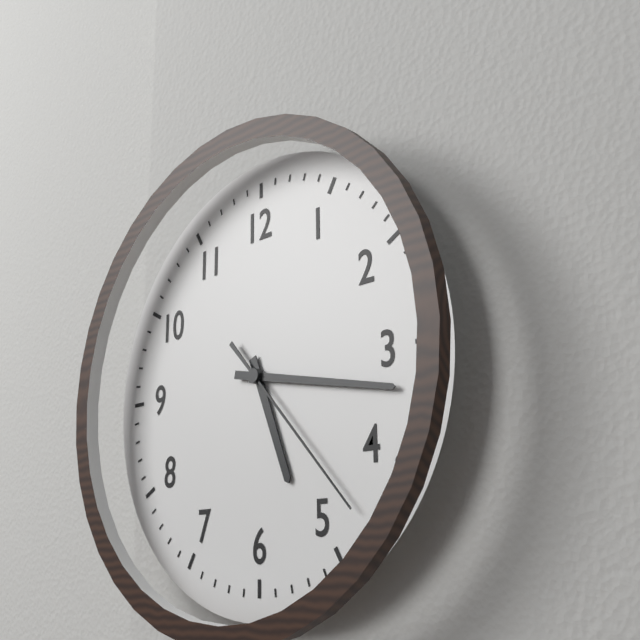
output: 5.17.23
